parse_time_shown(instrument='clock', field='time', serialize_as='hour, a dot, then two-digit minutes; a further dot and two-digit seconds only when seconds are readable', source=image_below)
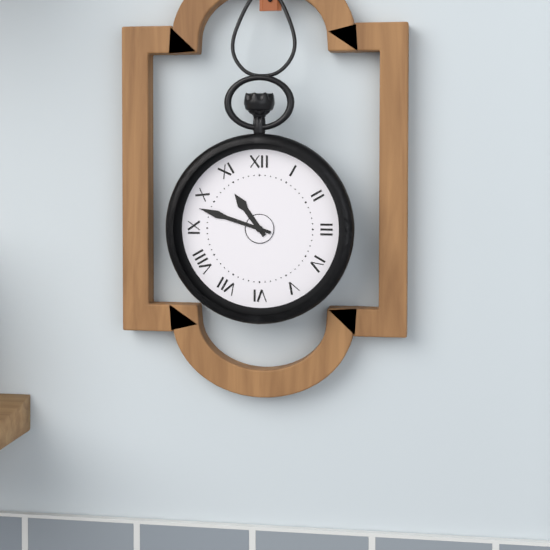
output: 10.48
